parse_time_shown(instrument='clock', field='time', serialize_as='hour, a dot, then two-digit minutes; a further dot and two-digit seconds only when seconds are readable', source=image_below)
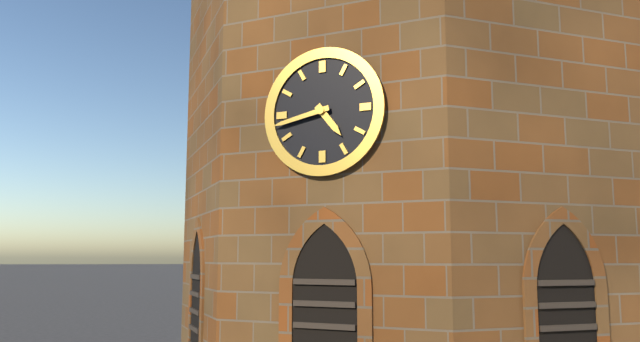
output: 4.43
